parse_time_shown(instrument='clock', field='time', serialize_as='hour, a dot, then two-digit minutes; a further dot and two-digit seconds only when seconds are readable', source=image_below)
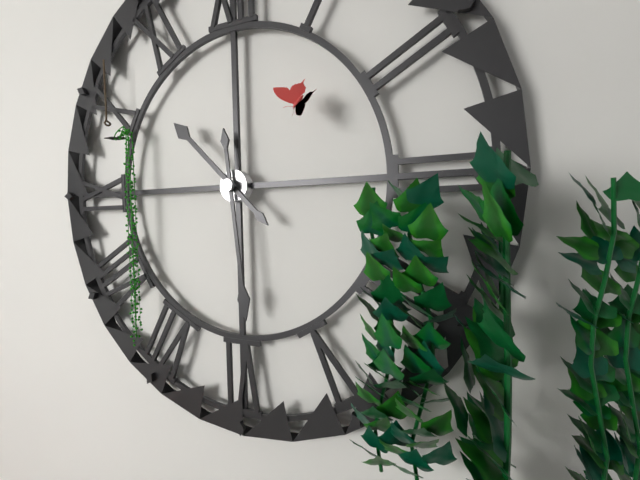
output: 10.29
